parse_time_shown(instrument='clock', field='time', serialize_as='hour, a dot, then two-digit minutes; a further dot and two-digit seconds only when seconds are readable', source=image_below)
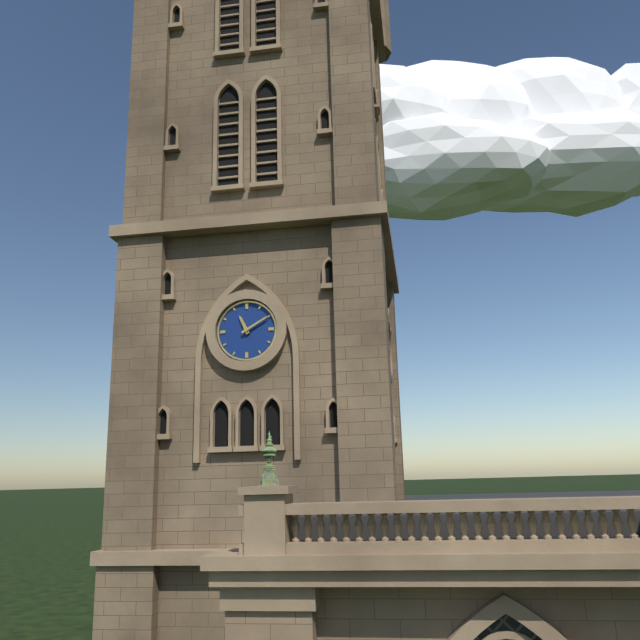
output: 11.10
